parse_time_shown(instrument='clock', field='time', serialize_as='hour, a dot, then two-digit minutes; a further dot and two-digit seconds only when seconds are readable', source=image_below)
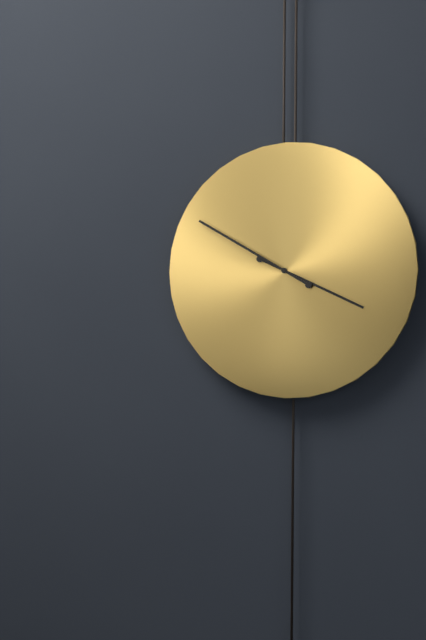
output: 3.50
